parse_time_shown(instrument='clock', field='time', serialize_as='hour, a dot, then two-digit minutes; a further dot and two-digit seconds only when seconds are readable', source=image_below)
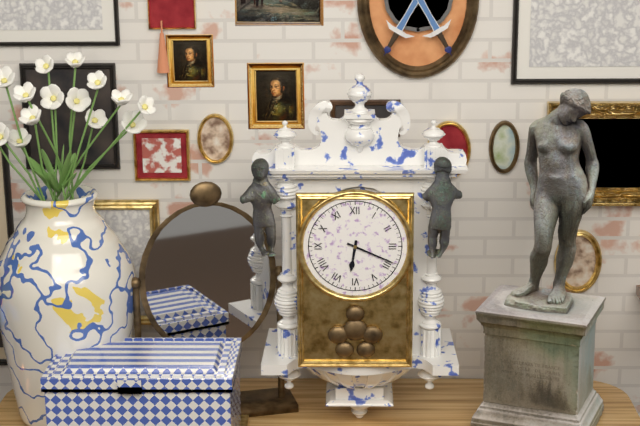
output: 6.19
